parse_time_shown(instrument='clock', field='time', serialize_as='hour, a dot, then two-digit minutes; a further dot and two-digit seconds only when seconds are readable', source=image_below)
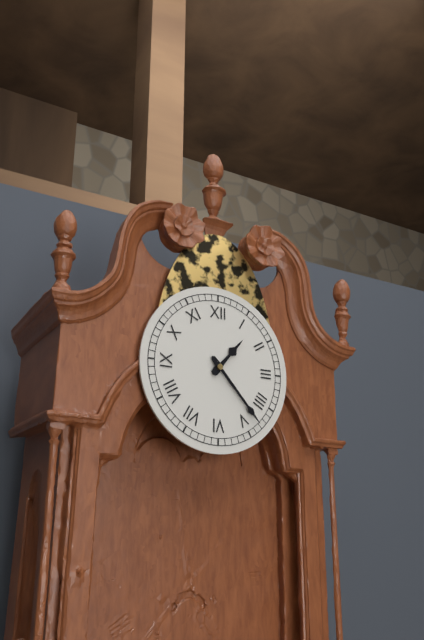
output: 1.23
